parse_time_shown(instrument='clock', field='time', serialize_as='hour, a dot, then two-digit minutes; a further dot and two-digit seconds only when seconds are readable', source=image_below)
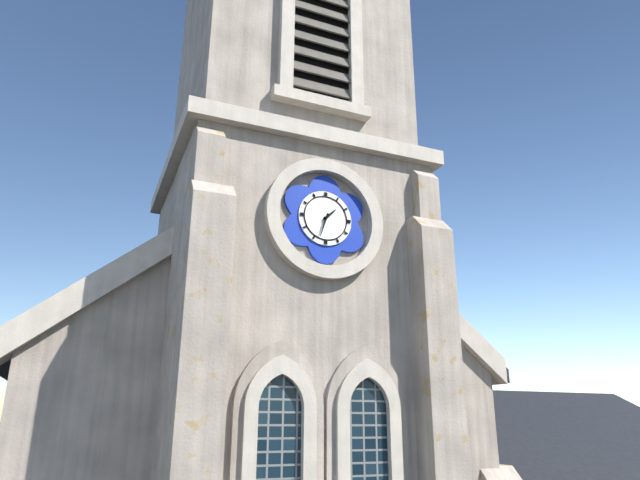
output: 1.33
